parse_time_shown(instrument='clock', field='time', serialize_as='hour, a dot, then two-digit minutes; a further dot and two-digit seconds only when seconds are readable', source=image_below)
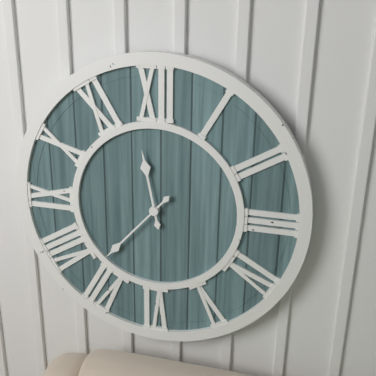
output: 11.37
